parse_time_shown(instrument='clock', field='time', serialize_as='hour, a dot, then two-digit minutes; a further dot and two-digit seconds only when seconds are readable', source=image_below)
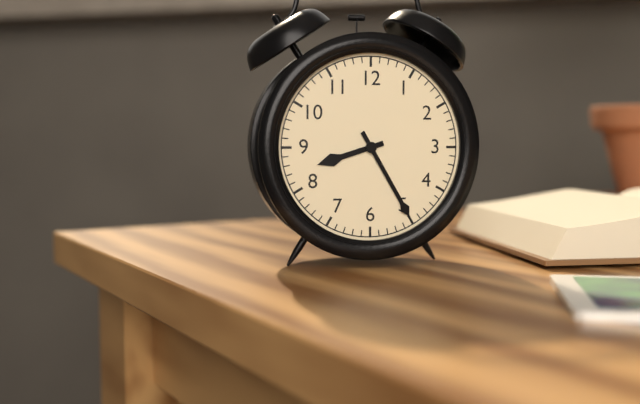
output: 8.25
